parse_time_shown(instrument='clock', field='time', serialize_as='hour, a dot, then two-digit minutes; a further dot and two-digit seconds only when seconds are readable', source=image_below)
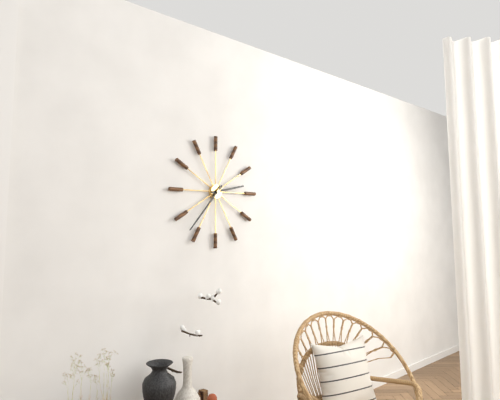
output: 2.37
